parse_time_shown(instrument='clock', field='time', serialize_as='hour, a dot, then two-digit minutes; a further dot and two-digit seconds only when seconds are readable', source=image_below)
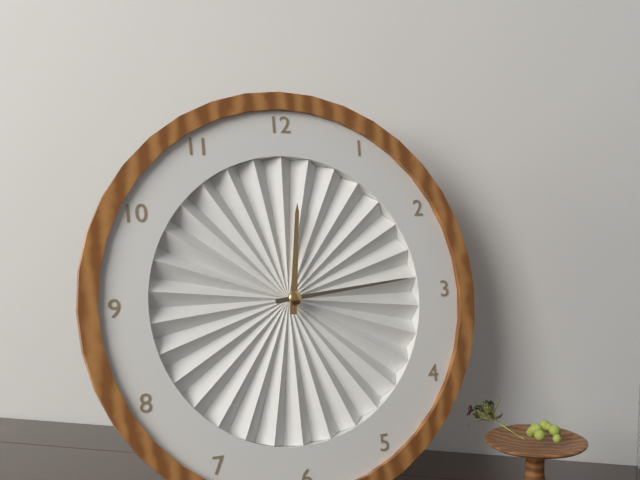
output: 12.14
